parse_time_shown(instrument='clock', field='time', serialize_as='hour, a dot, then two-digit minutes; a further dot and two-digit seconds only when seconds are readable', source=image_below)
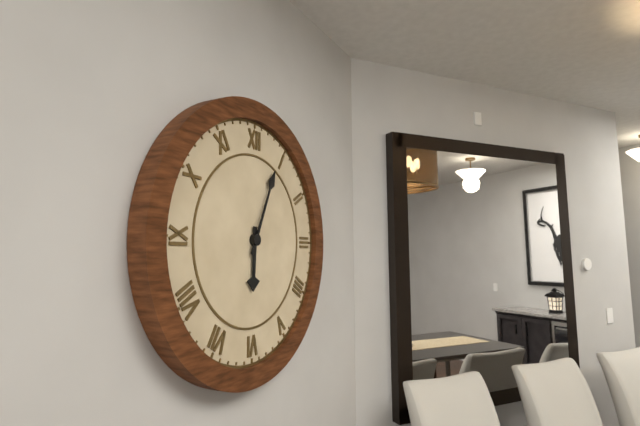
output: 6.04
